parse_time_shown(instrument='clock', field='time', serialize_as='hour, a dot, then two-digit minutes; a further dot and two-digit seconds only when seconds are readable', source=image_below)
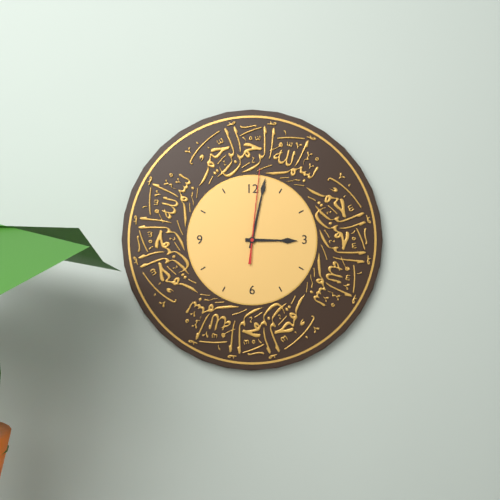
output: 3.02.01
